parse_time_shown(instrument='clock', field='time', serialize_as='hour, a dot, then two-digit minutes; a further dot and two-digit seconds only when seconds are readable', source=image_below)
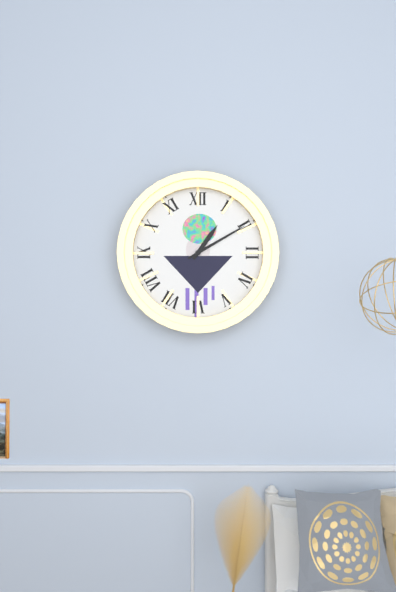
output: 1.10
